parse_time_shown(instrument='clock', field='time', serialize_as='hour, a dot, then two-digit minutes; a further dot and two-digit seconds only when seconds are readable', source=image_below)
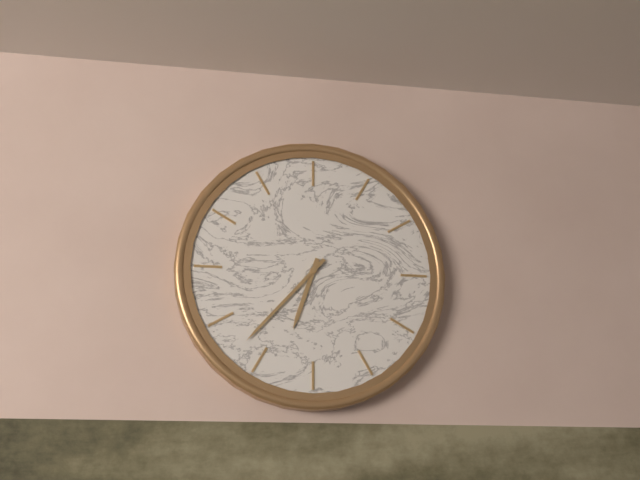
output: 6.37
